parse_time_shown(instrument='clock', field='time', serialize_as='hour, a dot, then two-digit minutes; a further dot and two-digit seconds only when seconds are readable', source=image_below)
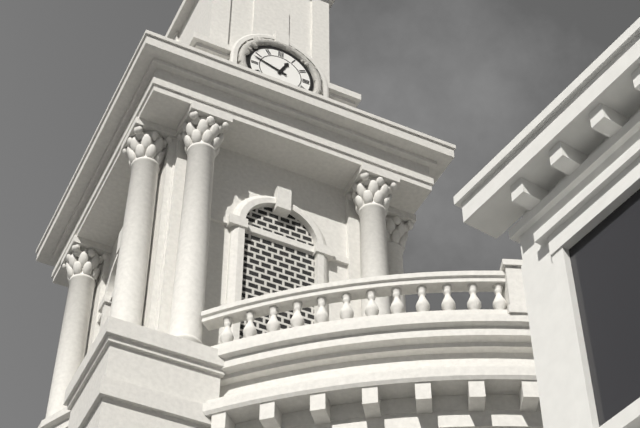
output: 12.48
